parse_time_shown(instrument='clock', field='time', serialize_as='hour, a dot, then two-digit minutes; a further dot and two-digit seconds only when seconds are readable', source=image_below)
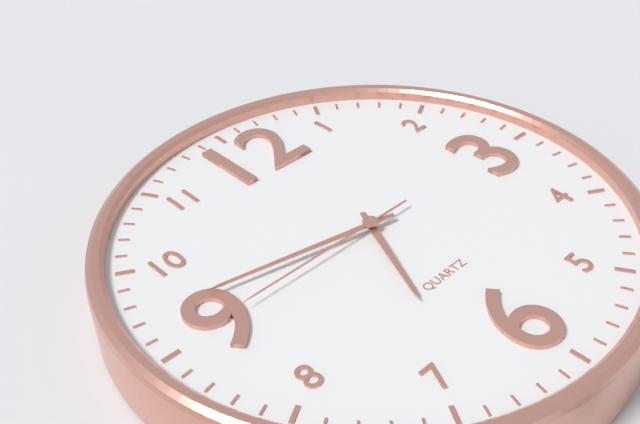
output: 6.47.45
